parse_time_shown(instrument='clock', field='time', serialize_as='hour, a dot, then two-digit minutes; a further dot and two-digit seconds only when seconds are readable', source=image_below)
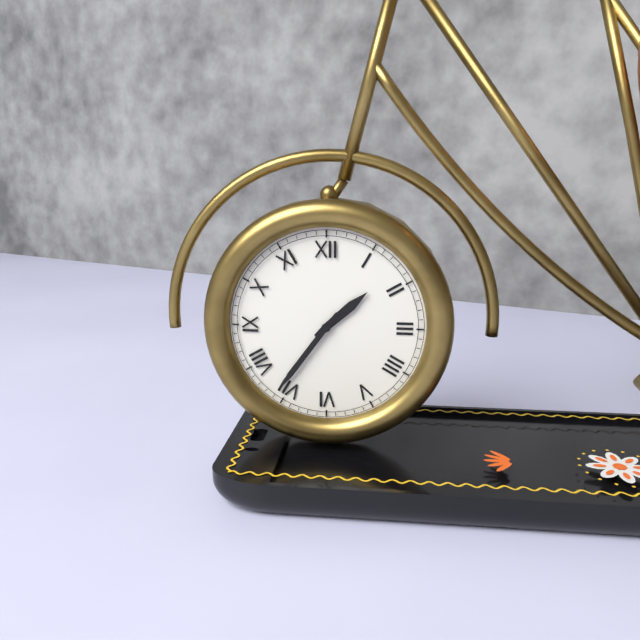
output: 1.36
